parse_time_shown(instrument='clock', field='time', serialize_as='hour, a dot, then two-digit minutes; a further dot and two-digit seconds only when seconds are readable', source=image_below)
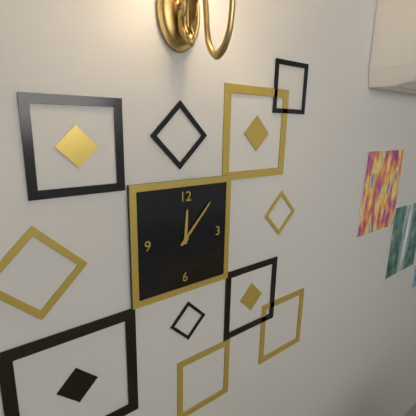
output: 12.07
